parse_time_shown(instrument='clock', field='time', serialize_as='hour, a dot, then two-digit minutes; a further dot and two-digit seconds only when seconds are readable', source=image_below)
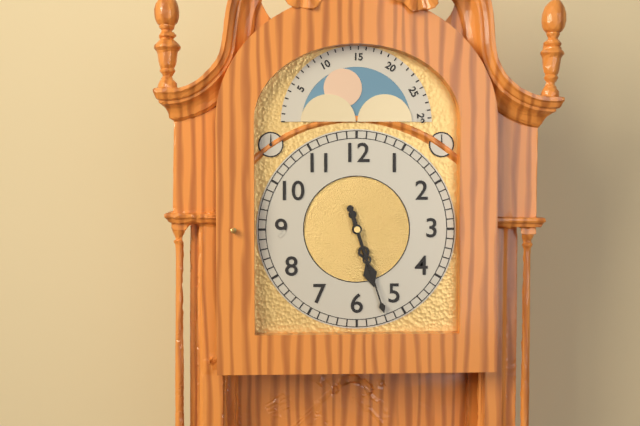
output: 5.27
